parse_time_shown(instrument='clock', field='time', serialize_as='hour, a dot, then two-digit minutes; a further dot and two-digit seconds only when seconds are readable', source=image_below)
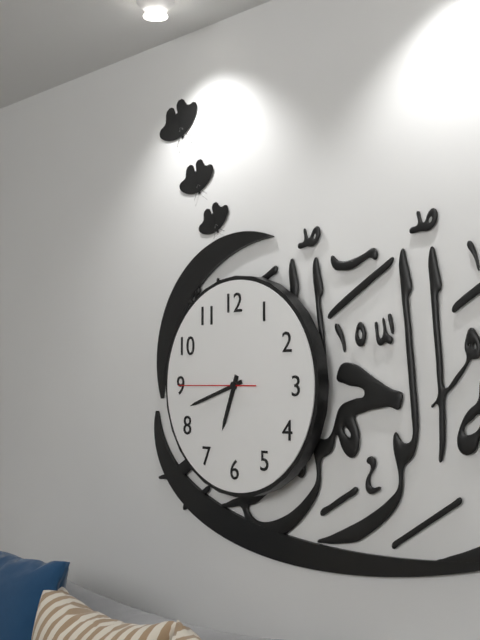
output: 6.42.45
